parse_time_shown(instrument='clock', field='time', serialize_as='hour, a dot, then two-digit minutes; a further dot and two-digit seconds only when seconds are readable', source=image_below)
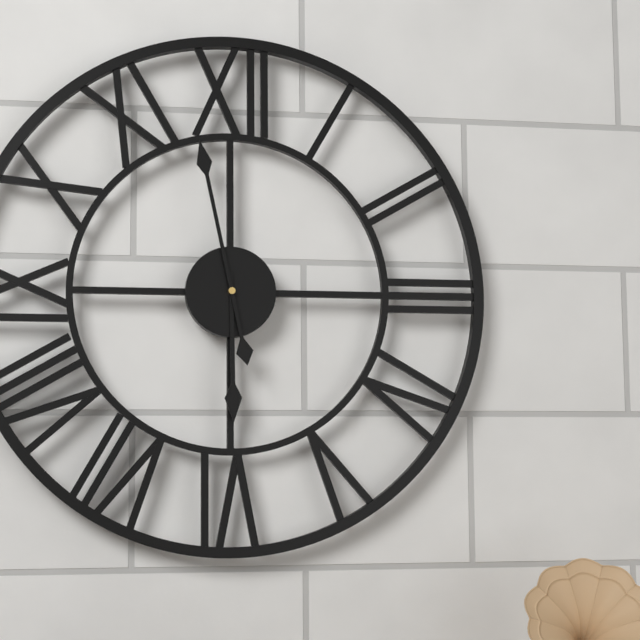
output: 5.58
